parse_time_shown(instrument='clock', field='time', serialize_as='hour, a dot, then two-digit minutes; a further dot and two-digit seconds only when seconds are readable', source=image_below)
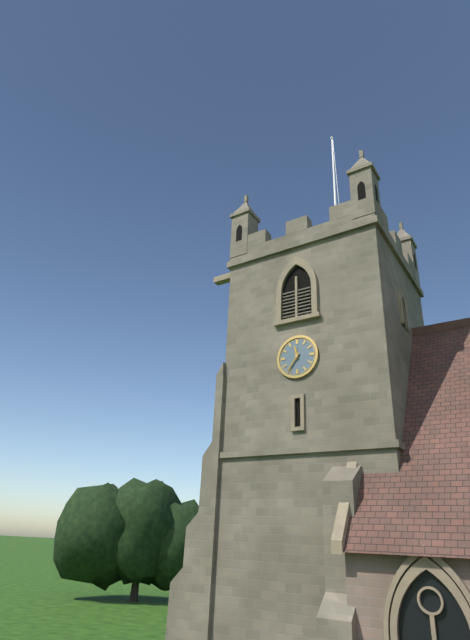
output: 11.36
